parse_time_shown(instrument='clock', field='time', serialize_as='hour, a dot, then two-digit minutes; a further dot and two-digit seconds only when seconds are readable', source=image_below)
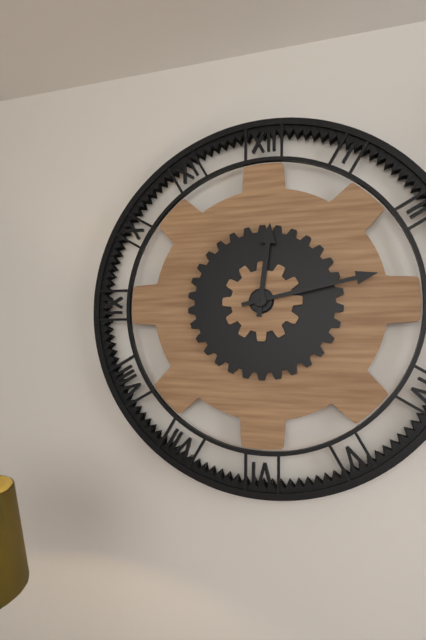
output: 12.13
